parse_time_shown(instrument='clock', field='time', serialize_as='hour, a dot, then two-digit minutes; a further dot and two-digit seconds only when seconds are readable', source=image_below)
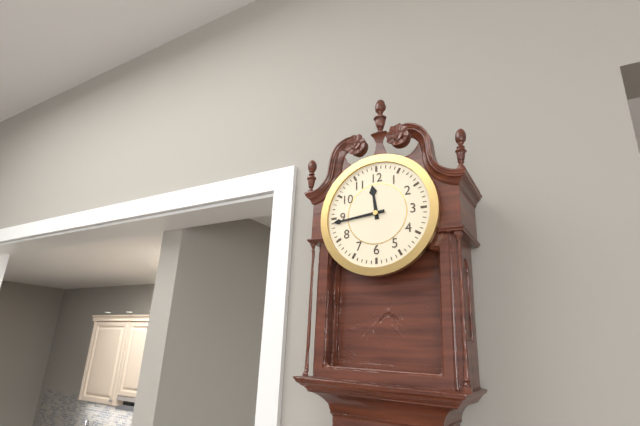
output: 11.44
